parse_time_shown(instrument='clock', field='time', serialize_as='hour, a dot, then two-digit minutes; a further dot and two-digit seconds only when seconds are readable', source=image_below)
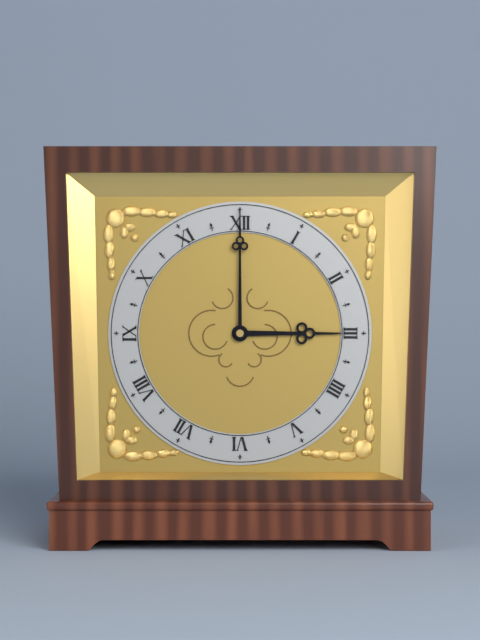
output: 3.00
